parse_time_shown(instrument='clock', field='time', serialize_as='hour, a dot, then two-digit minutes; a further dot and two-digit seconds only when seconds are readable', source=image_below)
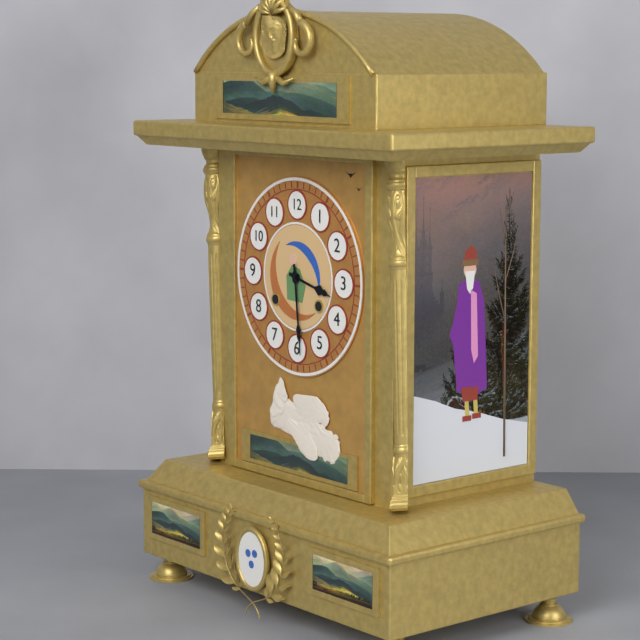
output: 3.29
